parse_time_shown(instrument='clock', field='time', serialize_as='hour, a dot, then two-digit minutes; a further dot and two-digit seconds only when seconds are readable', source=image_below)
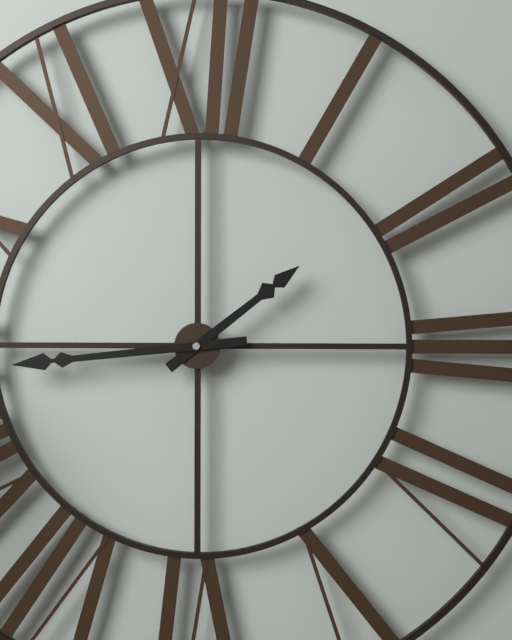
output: 1.44
